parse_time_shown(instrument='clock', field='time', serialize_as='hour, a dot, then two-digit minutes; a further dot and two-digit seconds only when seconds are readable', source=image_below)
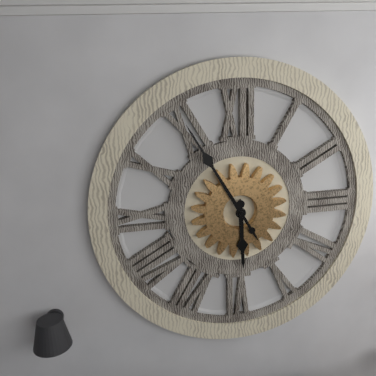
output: 5.55
